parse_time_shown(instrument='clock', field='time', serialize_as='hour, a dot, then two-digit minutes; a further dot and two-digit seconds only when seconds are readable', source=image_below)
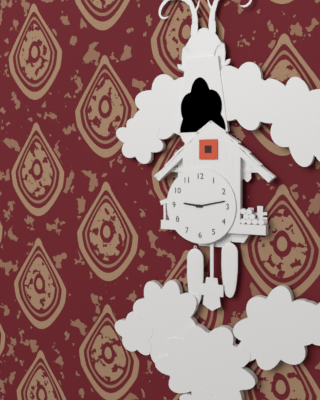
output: 9.13
